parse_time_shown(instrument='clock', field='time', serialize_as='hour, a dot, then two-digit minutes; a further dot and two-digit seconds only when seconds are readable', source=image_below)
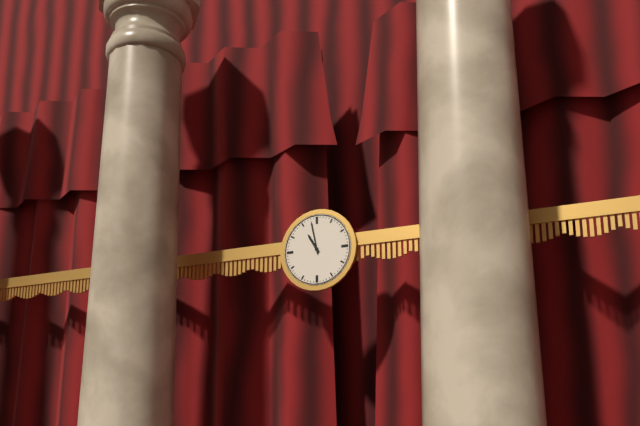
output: 10.58
